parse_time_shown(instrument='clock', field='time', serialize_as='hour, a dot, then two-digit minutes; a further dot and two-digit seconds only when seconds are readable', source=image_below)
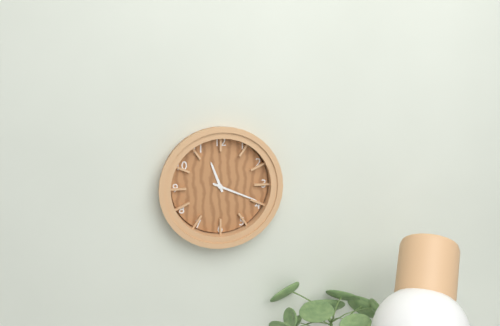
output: 11.19
